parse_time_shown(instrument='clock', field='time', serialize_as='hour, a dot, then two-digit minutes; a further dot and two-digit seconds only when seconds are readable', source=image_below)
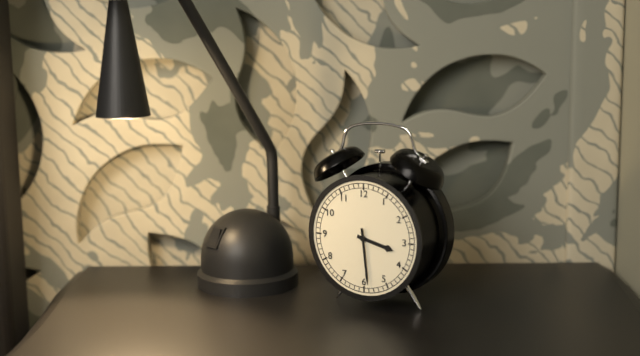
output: 3.29
